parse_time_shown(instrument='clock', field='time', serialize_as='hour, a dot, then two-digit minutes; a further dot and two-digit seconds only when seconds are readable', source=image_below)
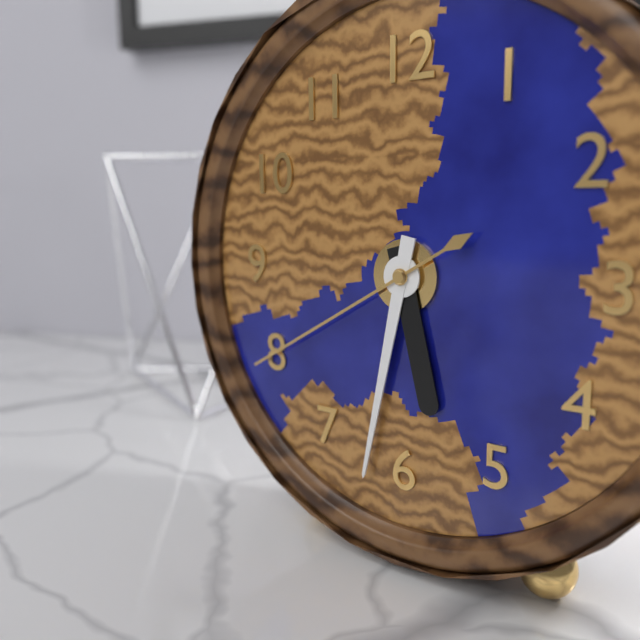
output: 5.32.40
